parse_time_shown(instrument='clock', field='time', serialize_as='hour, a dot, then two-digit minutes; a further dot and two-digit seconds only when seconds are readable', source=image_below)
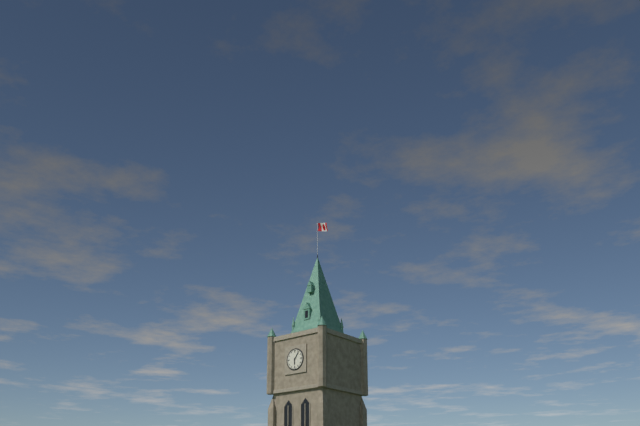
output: 6.06
